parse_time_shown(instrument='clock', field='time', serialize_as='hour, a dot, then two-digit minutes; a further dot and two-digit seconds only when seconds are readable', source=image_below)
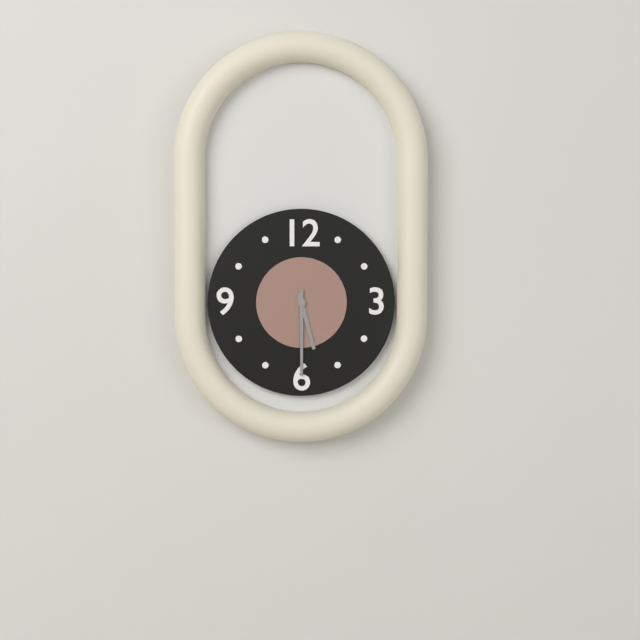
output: 5.30
